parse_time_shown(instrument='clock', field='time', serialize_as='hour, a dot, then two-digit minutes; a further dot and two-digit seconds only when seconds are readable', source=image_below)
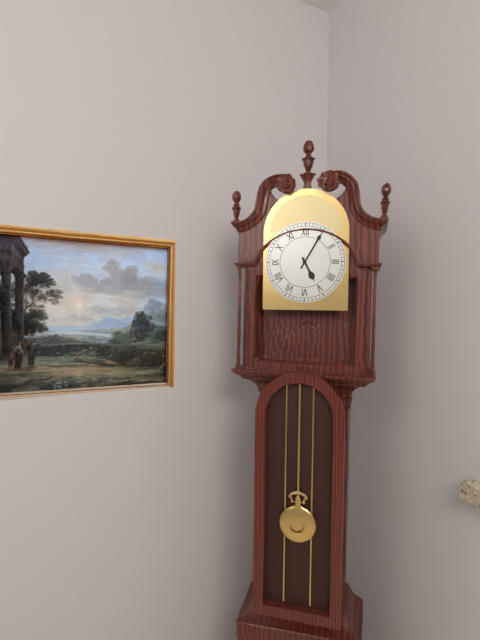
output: 5.05
